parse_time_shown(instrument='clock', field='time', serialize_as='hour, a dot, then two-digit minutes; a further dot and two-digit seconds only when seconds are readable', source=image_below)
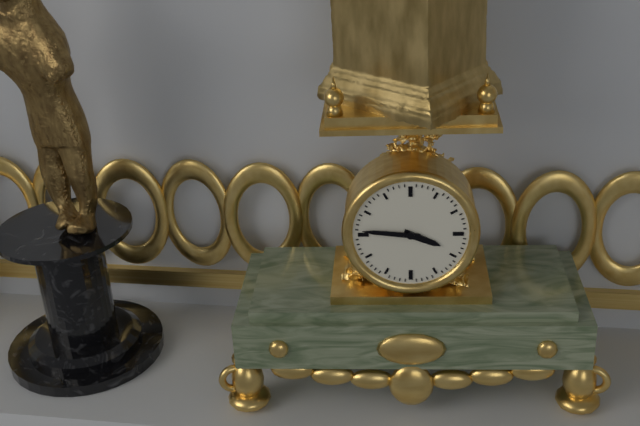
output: 3.46
